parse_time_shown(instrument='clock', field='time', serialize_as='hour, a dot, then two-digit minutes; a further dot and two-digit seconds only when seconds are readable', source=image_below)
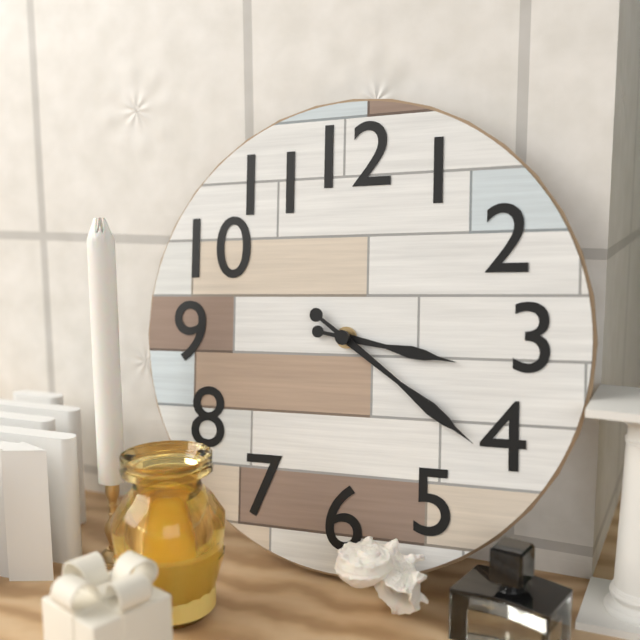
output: 3.21
